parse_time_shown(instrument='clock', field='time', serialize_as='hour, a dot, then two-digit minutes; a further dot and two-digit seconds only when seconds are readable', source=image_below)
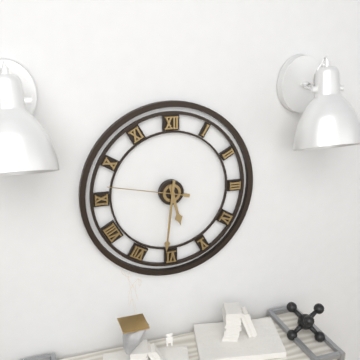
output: 5.31.47
